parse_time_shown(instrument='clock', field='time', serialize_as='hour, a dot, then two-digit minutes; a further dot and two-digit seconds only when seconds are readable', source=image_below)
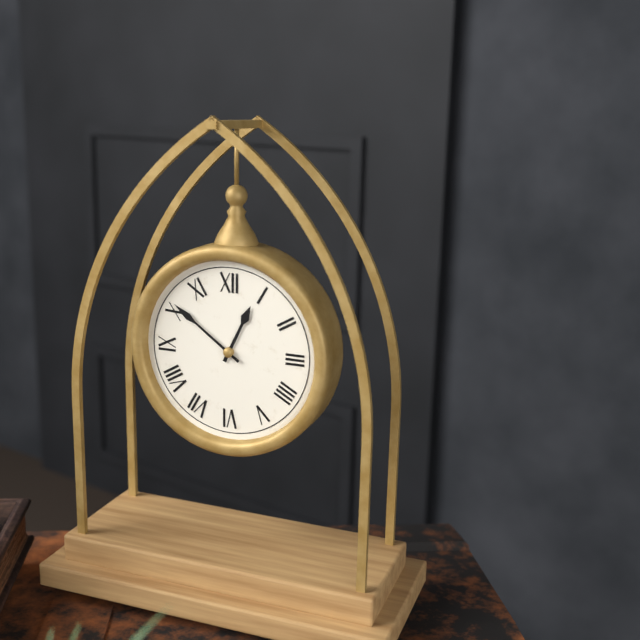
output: 12.51
